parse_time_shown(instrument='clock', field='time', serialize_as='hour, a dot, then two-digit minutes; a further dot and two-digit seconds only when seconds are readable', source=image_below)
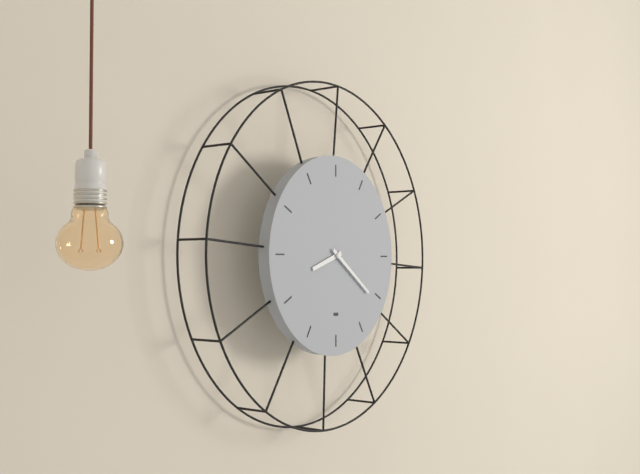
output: 8.21
